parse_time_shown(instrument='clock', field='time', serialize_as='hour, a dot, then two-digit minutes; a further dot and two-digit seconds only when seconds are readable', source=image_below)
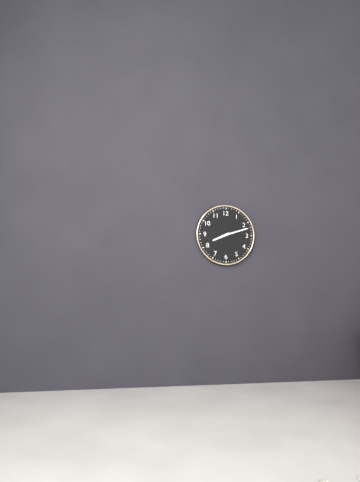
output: 8.12
